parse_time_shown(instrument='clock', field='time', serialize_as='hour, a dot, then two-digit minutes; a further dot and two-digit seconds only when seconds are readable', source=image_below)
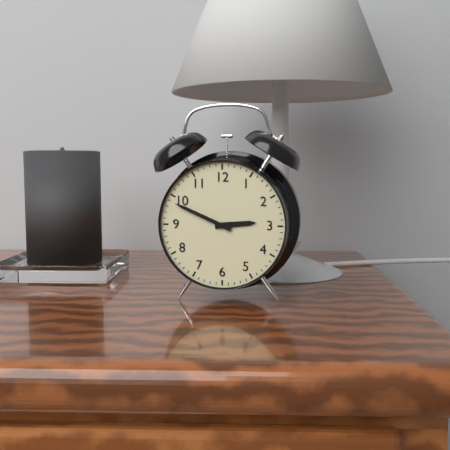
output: 2.49
